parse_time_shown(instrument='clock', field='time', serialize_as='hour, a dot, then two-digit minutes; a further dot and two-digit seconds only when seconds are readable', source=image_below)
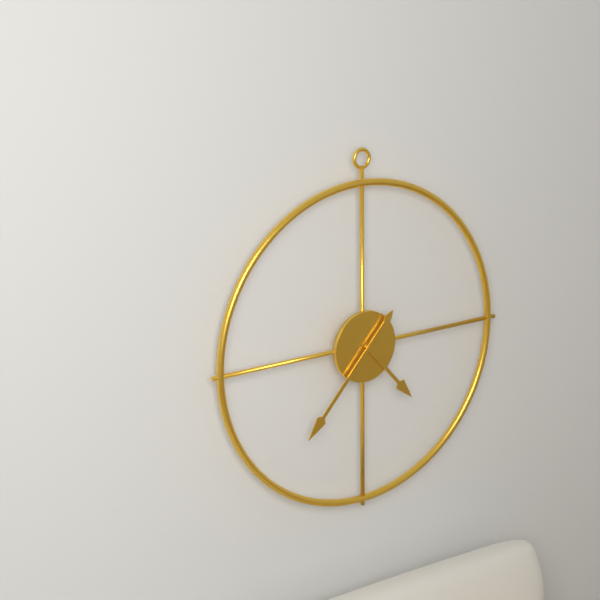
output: 4.37
